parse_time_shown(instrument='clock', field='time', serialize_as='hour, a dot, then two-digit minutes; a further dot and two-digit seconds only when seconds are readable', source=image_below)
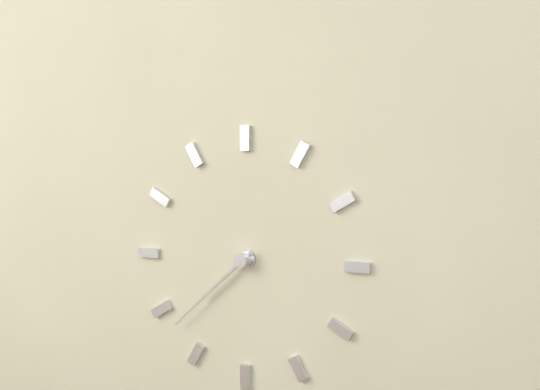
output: 7.38
